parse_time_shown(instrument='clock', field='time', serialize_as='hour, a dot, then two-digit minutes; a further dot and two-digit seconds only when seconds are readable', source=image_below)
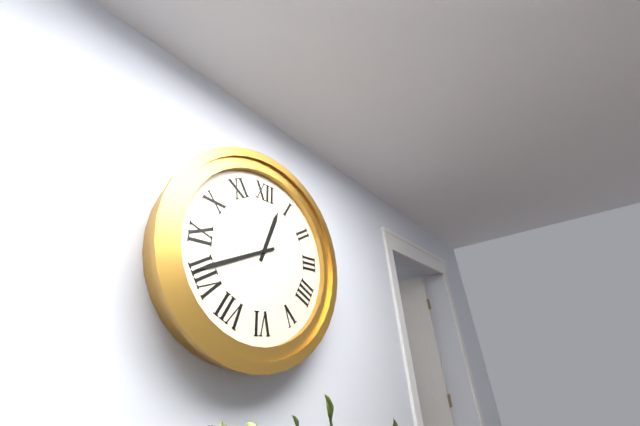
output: 12.41
